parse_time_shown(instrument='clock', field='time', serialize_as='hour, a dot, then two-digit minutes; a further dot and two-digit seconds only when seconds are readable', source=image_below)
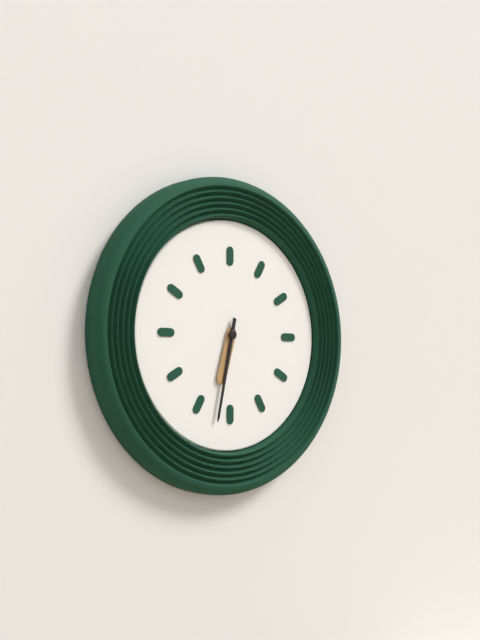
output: 6.32
